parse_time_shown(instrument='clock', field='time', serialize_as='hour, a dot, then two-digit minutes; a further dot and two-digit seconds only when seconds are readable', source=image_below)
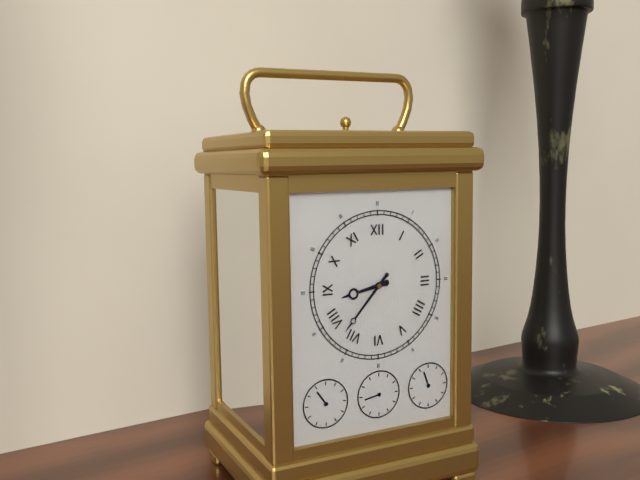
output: 8.37
